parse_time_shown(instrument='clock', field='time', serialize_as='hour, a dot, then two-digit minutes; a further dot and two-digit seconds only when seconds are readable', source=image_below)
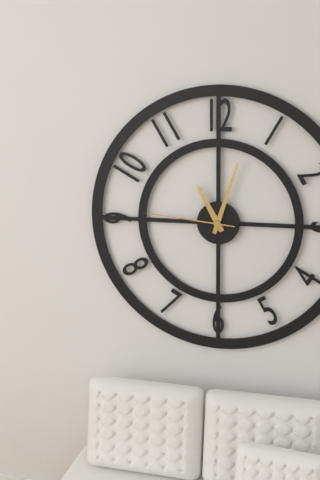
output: 11.03.46
